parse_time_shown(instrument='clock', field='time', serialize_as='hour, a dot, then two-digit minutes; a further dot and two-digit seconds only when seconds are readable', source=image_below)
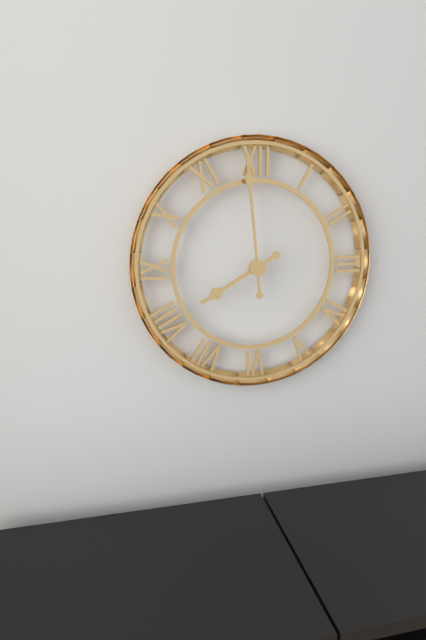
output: 7.59
